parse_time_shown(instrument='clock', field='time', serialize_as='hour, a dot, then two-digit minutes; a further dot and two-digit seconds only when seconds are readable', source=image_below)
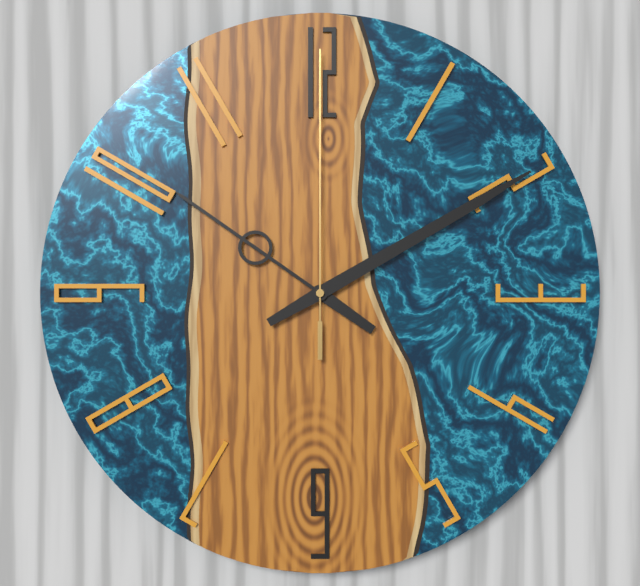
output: 10.10.00
